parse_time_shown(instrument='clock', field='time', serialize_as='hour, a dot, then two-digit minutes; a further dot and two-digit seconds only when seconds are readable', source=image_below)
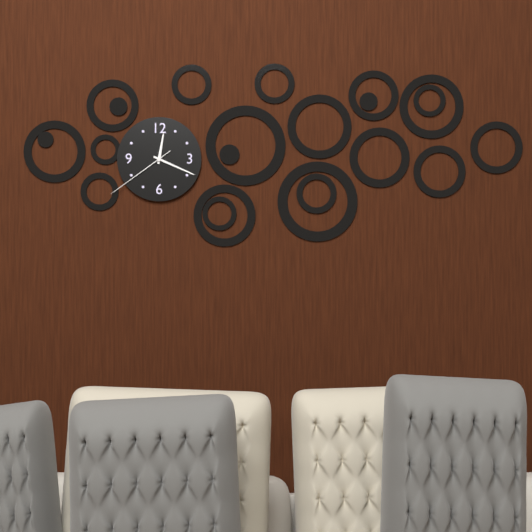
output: 12.19.39
